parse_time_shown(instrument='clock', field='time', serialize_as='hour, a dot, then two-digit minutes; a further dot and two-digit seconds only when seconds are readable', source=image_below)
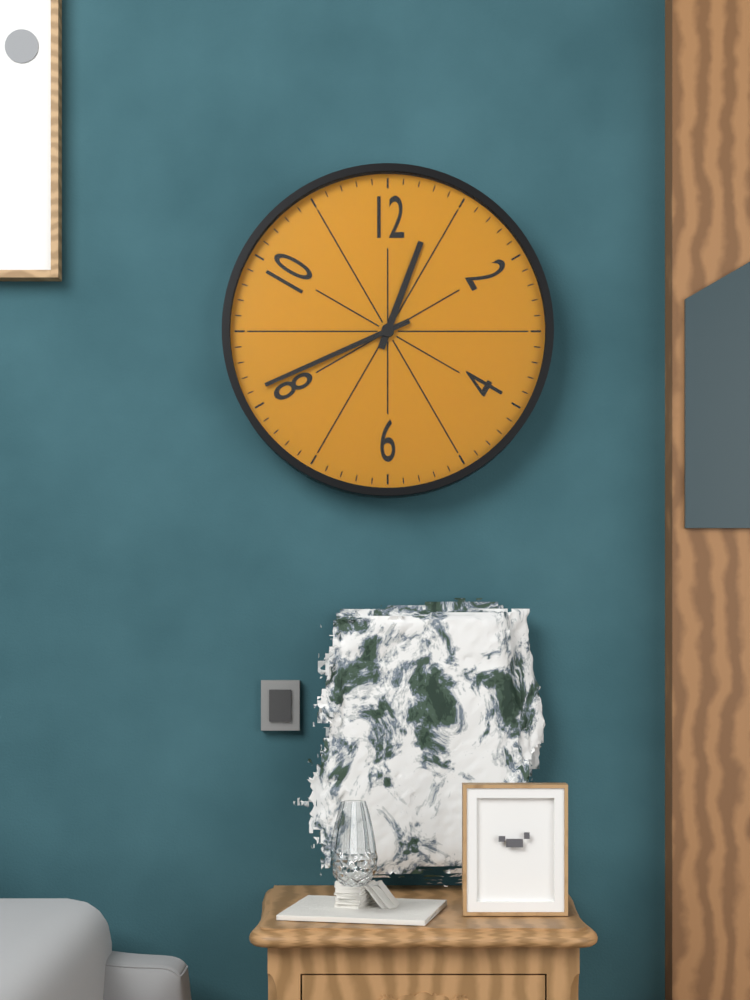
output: 12.41
